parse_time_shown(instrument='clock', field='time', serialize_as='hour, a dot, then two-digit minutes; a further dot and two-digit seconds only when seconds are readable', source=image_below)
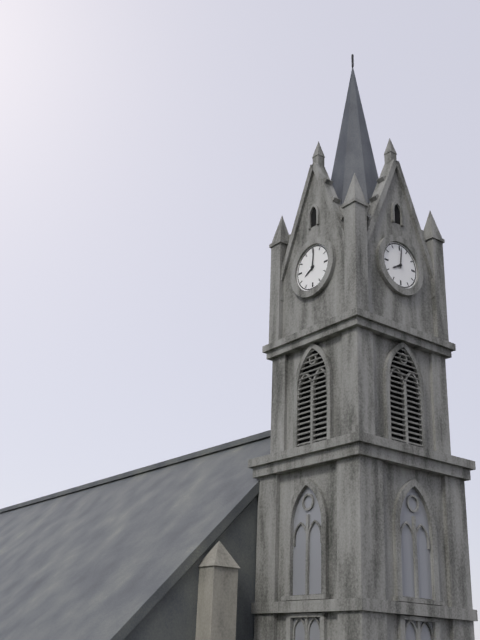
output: 8.01
